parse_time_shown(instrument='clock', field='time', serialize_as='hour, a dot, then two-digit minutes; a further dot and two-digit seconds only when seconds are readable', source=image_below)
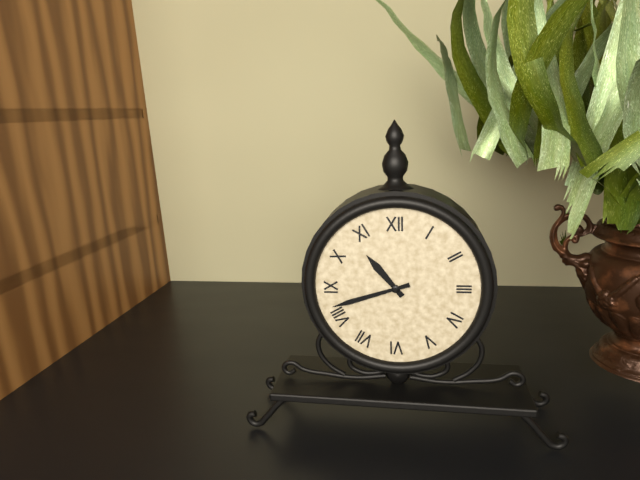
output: 10.42
